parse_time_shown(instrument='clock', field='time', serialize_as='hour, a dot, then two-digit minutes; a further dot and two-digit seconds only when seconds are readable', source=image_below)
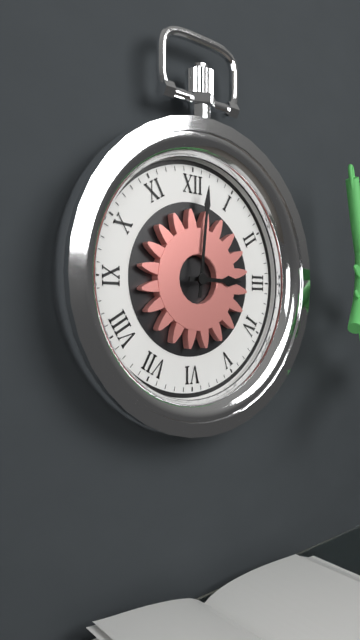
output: 3.01
